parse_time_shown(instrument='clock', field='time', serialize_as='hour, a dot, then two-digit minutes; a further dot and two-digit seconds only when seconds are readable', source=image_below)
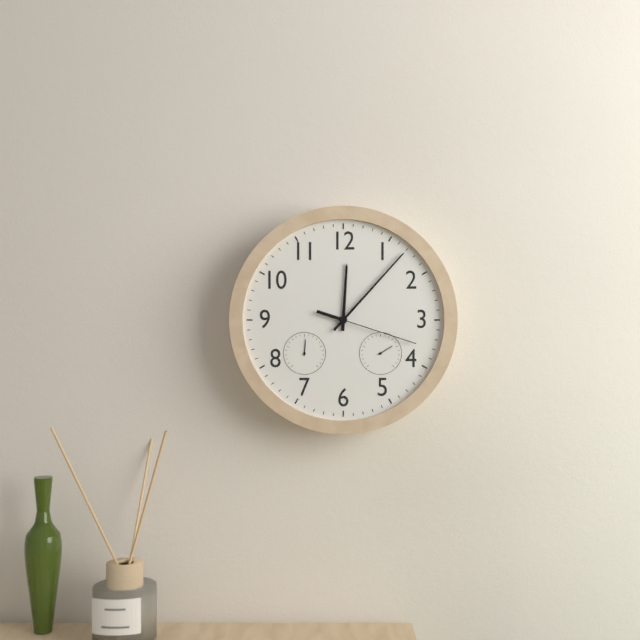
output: 12.07.18
